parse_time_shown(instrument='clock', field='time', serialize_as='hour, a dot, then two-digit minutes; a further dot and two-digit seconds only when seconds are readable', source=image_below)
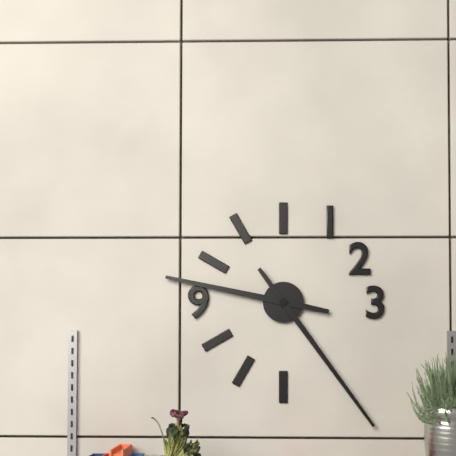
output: 9.24
